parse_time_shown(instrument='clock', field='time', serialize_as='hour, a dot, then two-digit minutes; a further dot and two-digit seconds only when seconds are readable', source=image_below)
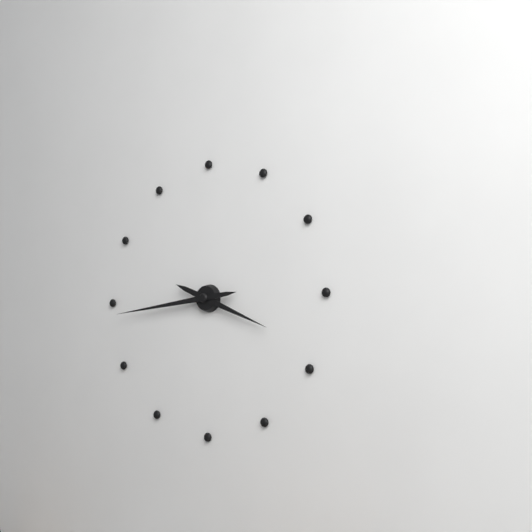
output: 3.44
